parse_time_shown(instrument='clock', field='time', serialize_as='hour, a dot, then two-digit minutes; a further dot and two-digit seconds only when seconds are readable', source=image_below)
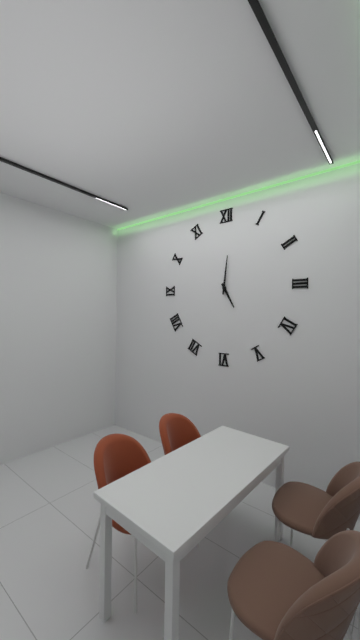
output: 5.01
